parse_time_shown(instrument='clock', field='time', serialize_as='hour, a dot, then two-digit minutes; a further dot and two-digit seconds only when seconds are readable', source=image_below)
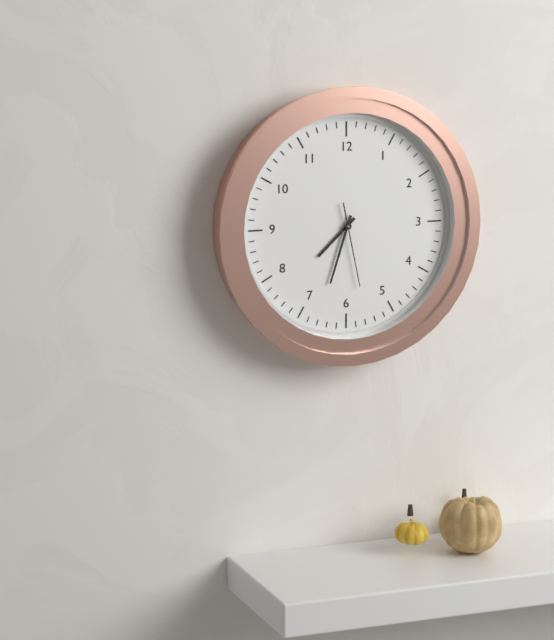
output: 7.33.28
